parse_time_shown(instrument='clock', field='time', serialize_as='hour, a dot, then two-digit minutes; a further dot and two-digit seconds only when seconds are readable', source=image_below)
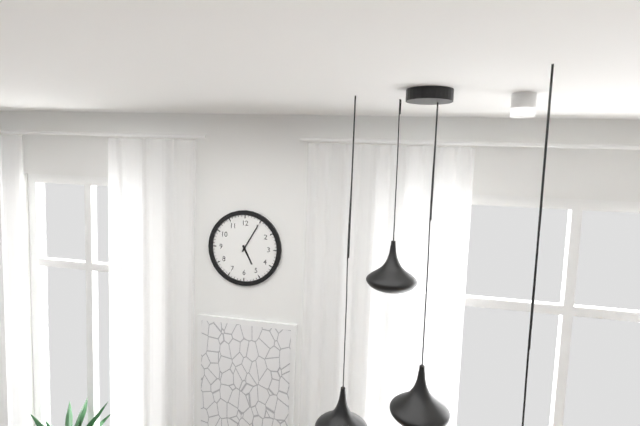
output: 5.05
